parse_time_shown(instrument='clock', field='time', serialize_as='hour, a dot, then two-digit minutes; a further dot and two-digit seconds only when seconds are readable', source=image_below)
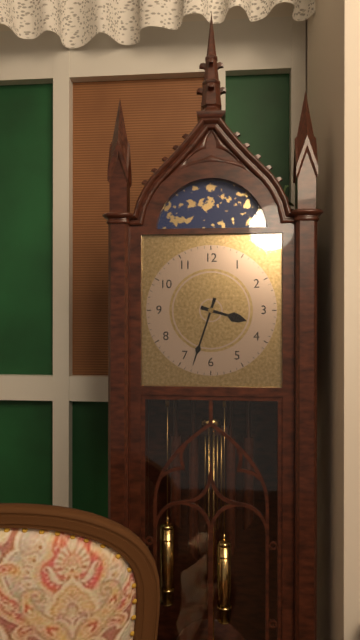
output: 3.33
